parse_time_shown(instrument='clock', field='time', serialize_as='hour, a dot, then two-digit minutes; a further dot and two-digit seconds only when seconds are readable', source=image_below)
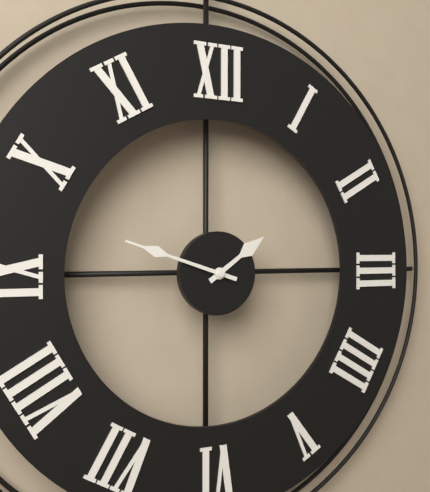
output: 1.48
